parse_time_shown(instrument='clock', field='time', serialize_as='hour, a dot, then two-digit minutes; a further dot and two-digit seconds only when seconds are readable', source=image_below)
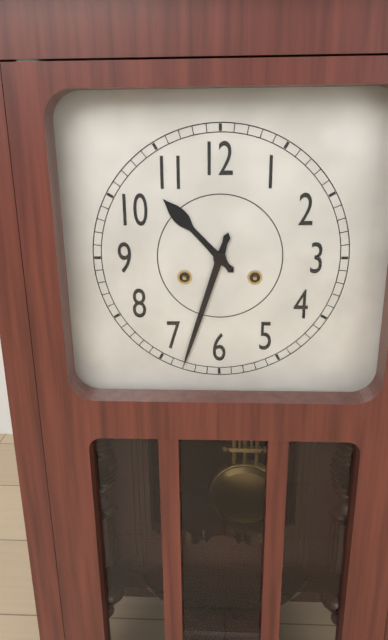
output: 10.33
